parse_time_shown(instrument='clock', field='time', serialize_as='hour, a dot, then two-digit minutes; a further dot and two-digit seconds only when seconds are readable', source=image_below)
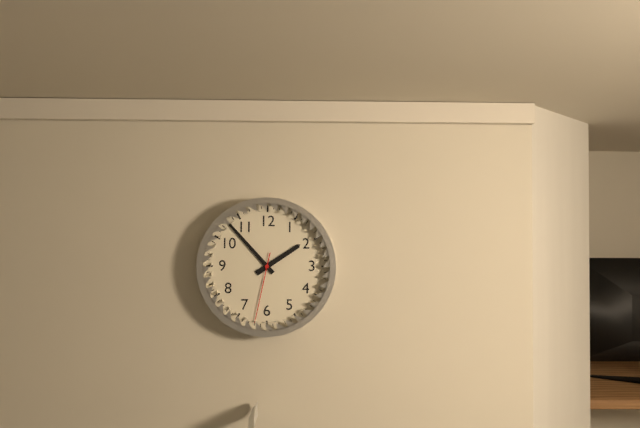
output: 1.53.32
